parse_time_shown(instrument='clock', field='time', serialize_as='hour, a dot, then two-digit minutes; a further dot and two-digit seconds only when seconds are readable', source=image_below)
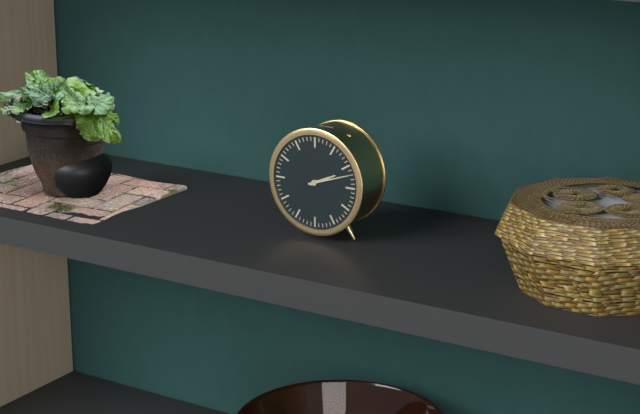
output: 2.12
